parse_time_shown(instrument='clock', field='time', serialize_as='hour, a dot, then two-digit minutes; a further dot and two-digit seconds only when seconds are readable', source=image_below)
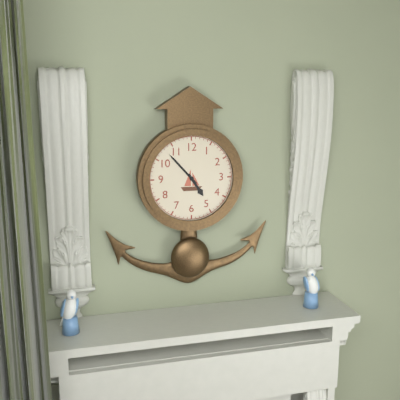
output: 4.53
